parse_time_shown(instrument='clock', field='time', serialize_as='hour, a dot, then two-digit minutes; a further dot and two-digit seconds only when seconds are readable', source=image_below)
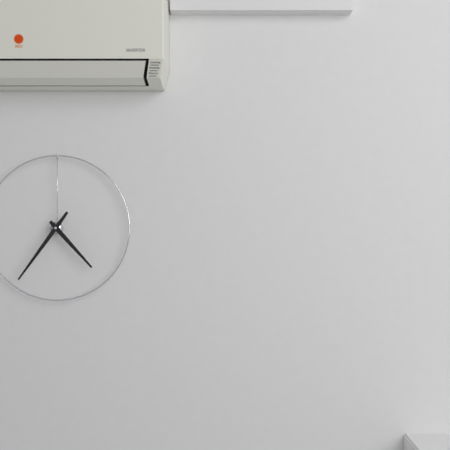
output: 4.36
